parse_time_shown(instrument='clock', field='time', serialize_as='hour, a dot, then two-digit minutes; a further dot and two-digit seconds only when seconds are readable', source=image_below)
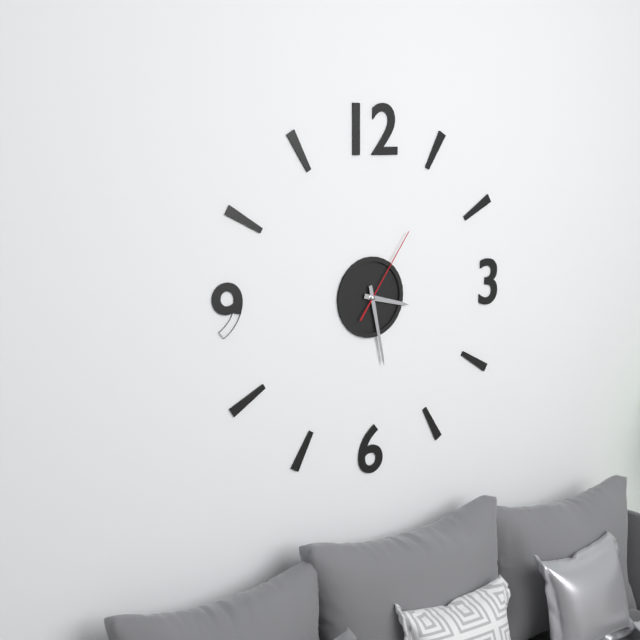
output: 3.28.06
